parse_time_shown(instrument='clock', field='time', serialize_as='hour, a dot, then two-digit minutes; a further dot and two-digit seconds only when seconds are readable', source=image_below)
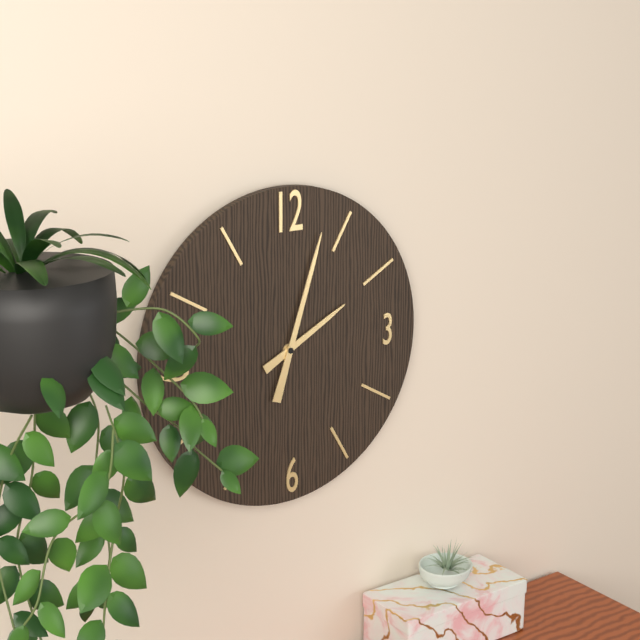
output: 2.03
